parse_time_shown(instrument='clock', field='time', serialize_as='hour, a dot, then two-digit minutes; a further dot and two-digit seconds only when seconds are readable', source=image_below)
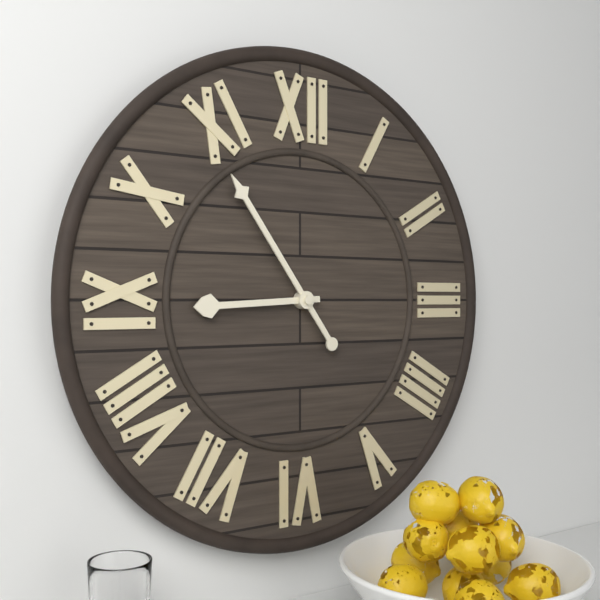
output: 8.54
